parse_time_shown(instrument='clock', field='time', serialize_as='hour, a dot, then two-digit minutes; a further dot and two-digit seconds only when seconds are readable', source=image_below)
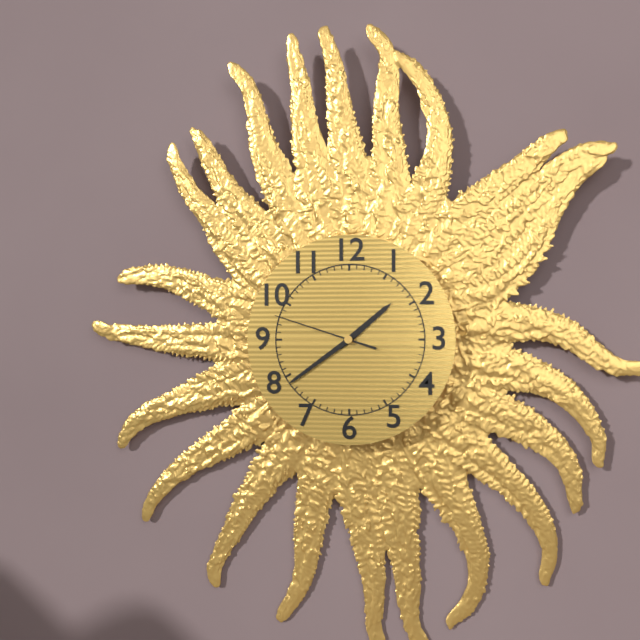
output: 1.39.48
